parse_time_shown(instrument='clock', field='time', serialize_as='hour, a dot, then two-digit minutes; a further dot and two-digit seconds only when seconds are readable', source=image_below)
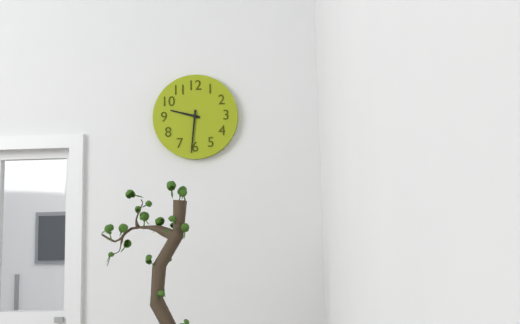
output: 9.31
